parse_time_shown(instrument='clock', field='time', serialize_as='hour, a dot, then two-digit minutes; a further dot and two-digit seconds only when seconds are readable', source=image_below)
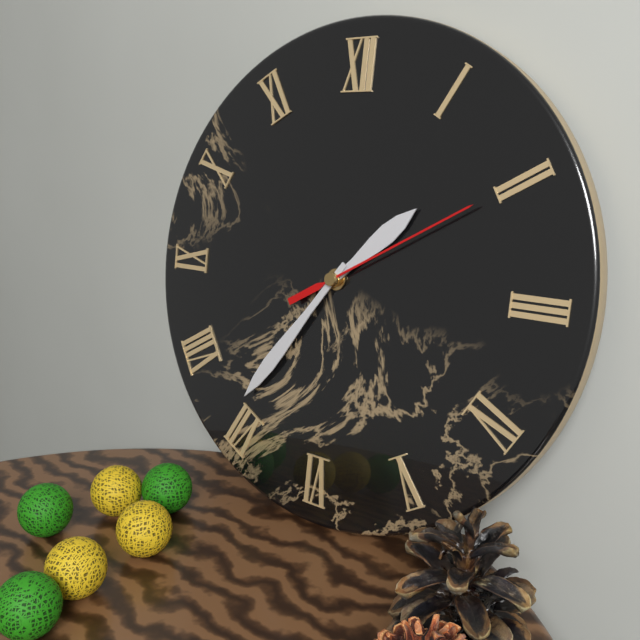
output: 1.36.10
